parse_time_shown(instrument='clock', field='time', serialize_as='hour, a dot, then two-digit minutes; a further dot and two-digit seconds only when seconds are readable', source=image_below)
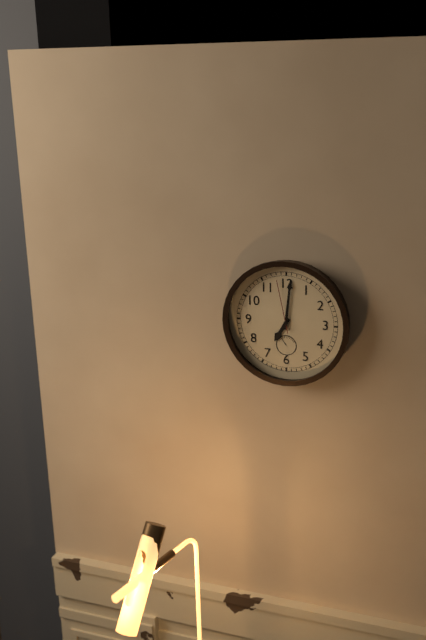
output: 7.01.58
